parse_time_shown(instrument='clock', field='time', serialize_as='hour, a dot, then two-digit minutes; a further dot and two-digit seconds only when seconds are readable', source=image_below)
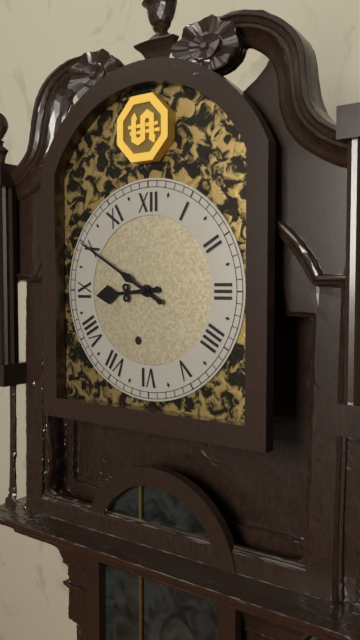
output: 8.50
